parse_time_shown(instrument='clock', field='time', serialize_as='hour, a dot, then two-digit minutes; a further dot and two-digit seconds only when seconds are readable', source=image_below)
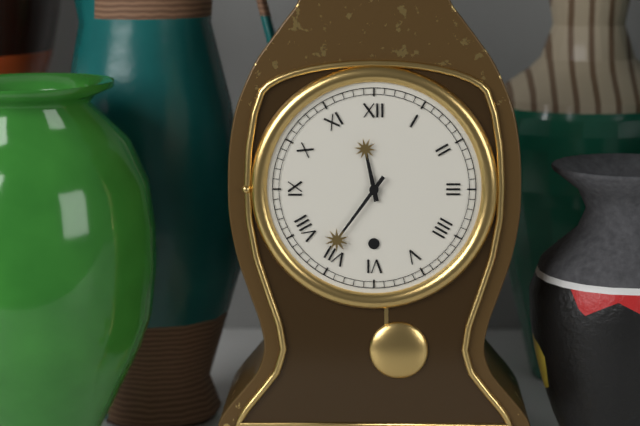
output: 11.36
